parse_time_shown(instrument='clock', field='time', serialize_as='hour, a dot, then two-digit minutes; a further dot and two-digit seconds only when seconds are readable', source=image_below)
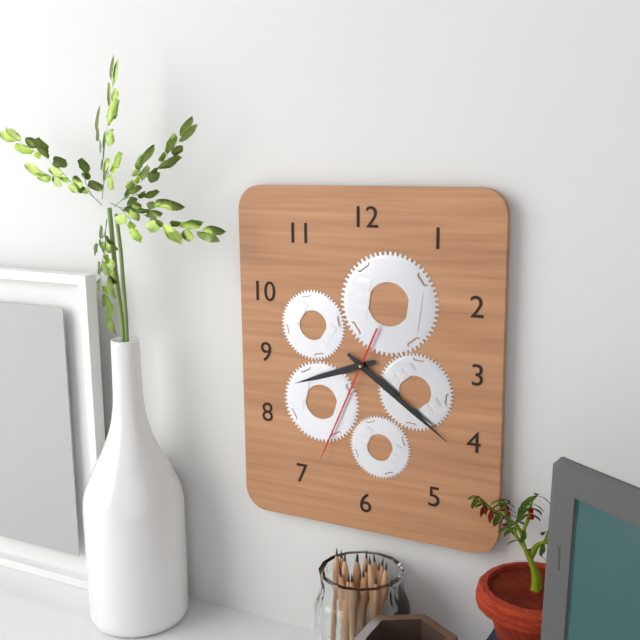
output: 8.21.34
